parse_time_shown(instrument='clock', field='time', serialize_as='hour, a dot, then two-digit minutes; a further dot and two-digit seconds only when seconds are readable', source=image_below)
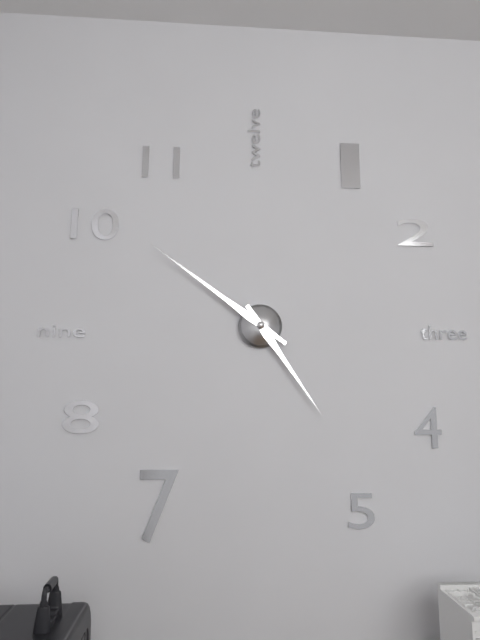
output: 4.51
